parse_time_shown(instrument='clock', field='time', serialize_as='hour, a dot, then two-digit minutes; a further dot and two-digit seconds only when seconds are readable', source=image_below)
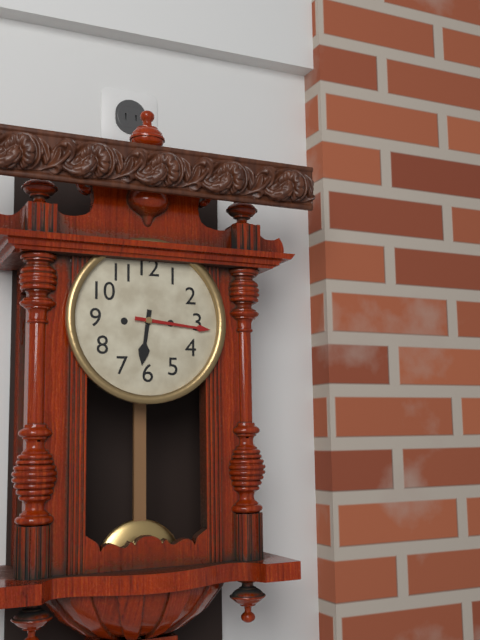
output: 6.16
